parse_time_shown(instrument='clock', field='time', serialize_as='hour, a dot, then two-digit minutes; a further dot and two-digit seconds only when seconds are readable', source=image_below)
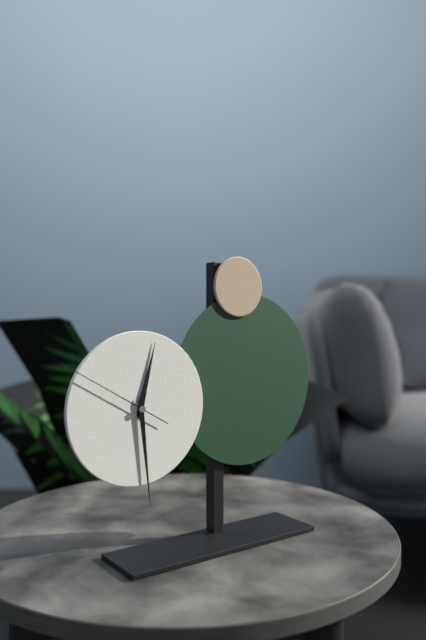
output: 12.29.50
